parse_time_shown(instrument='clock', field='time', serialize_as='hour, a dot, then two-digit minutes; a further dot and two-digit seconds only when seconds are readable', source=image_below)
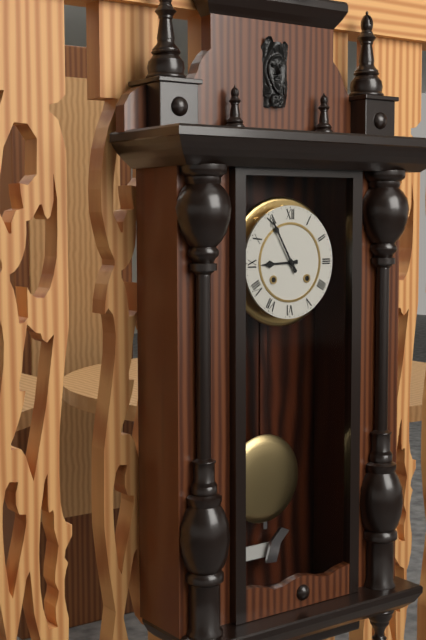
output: 8.55
